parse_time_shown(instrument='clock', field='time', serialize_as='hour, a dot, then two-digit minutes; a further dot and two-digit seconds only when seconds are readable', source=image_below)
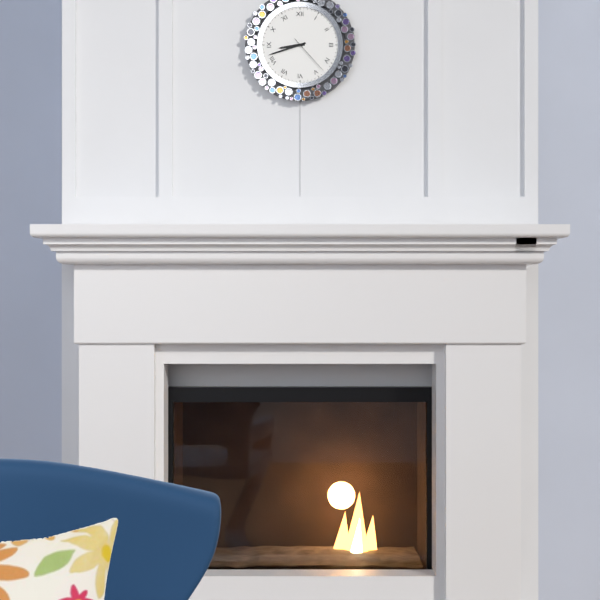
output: 8.42
